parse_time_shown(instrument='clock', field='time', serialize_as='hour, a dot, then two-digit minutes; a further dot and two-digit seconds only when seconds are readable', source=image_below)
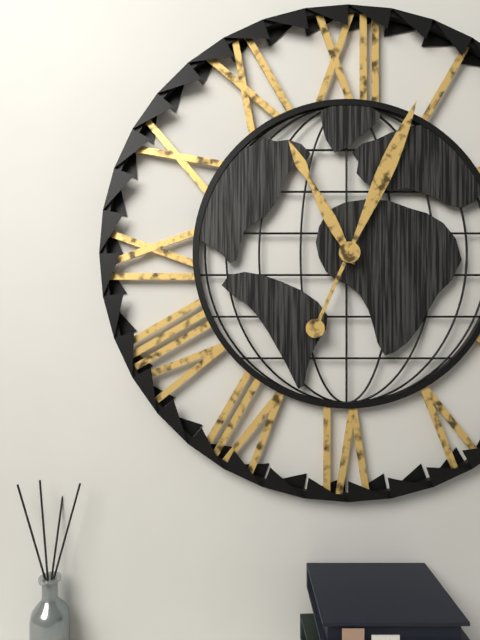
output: 11.04
